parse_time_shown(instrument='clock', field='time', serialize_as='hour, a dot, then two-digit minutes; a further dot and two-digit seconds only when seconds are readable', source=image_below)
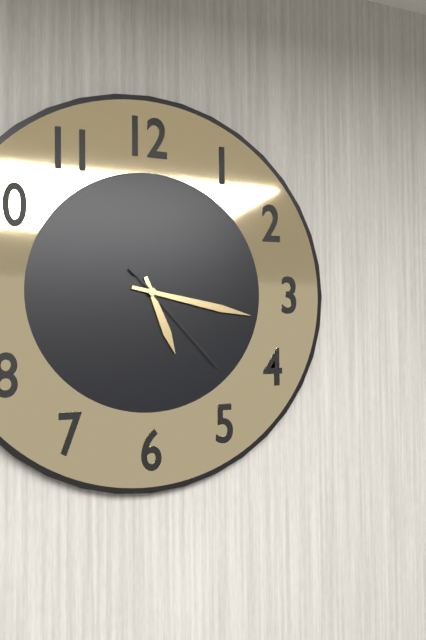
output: 5.17.23
